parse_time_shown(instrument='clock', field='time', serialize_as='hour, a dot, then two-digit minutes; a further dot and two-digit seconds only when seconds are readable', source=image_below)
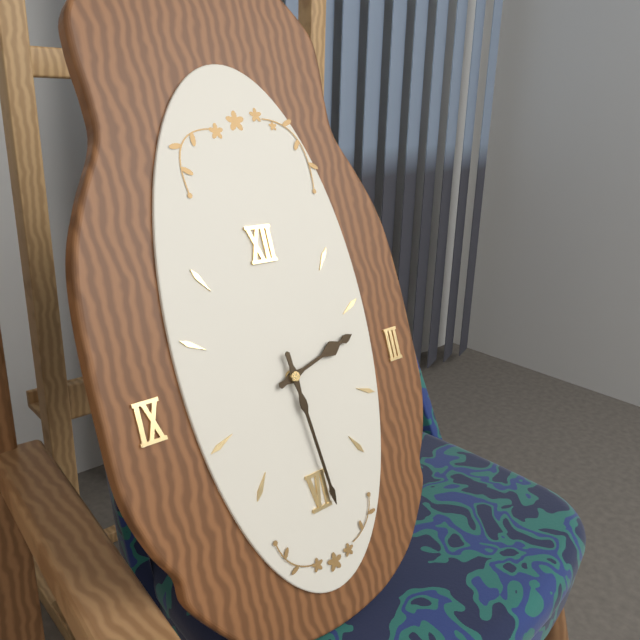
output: 2.29
